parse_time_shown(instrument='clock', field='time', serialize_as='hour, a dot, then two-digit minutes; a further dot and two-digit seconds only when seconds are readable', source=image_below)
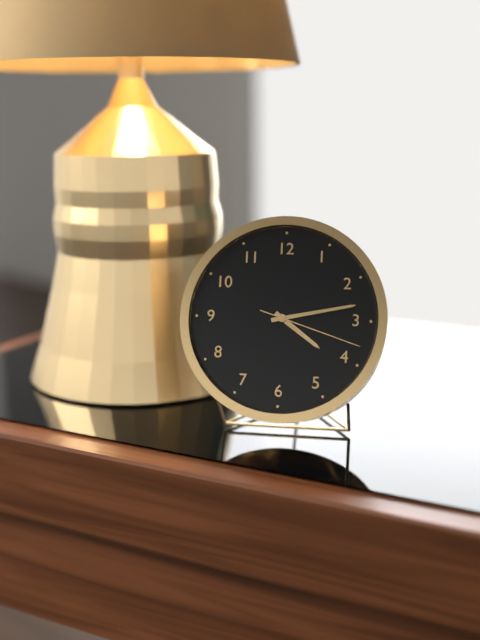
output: 4.13.18
